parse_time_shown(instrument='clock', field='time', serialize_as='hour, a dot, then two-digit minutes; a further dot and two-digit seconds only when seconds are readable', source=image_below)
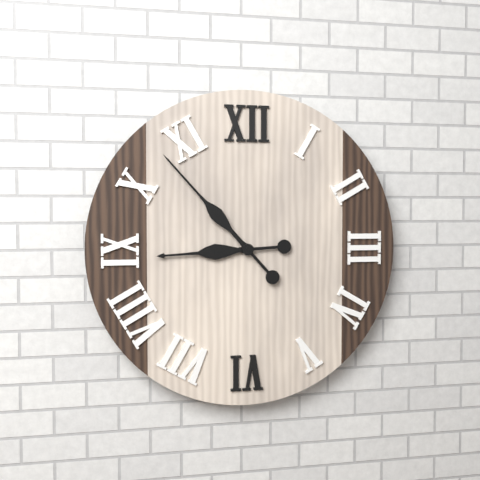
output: 8.53
